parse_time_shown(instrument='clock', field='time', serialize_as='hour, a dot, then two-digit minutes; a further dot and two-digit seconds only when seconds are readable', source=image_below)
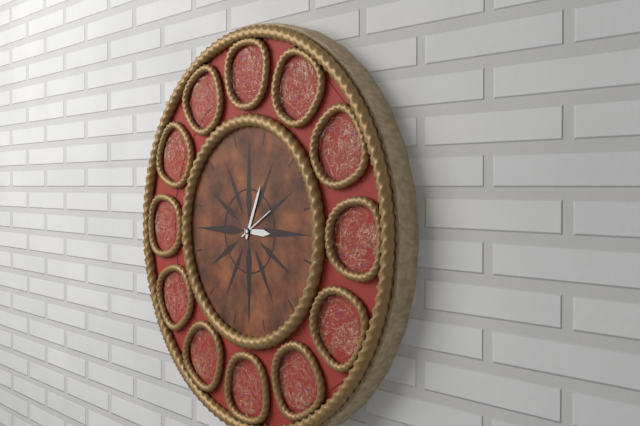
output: 3.04
